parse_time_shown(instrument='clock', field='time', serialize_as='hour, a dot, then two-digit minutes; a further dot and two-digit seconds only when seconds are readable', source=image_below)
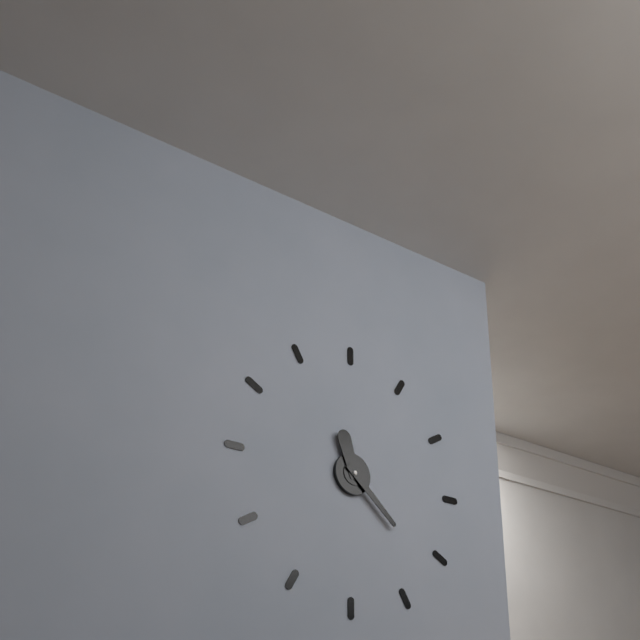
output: 11.22
